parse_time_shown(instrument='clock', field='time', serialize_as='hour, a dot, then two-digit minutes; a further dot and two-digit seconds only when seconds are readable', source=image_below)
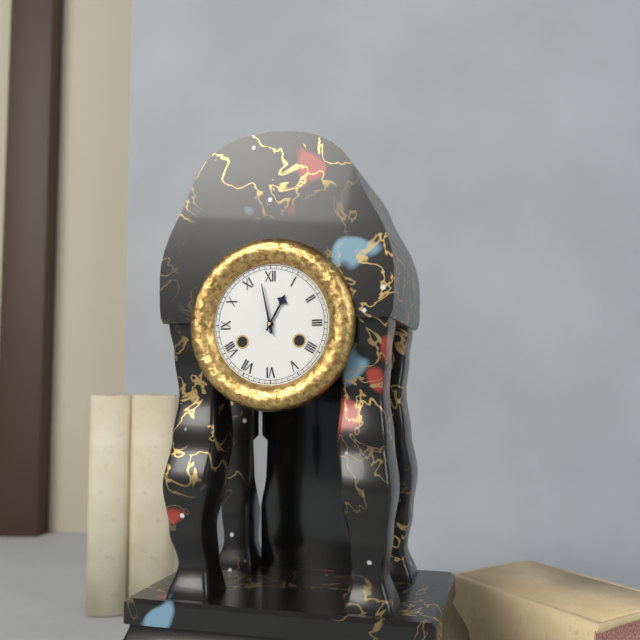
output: 12.58
